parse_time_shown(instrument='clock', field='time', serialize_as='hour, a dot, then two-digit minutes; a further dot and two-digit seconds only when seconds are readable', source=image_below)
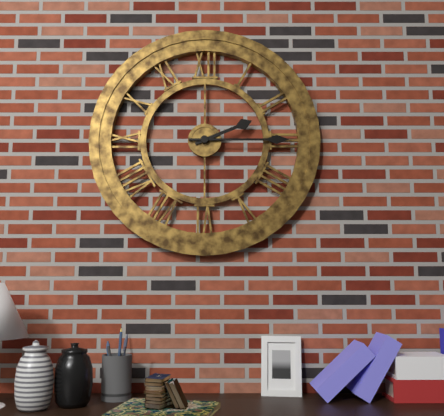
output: 2.15
